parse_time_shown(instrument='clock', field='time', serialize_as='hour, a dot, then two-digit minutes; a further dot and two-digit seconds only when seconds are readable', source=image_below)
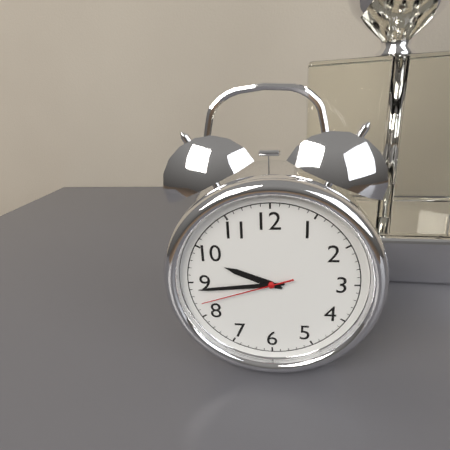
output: 9.44.42
